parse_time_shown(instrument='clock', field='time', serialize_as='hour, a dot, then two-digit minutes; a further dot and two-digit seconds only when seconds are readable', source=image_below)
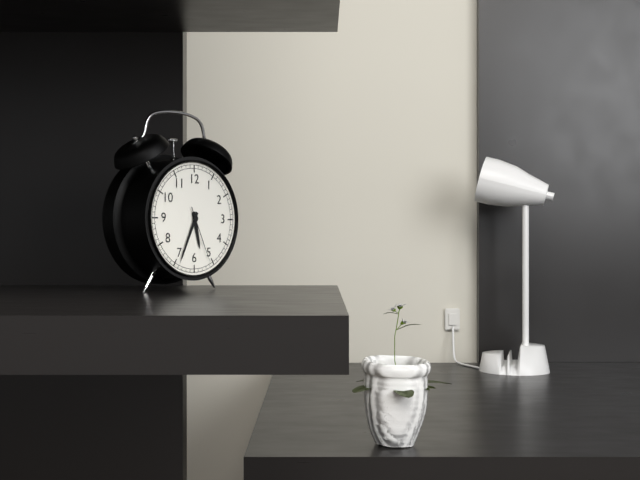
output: 5.34.26
